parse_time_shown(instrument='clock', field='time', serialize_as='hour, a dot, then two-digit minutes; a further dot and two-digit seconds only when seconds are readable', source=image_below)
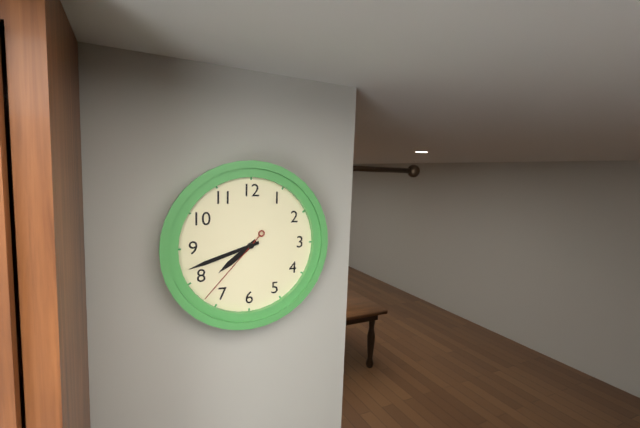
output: 7.42.37
